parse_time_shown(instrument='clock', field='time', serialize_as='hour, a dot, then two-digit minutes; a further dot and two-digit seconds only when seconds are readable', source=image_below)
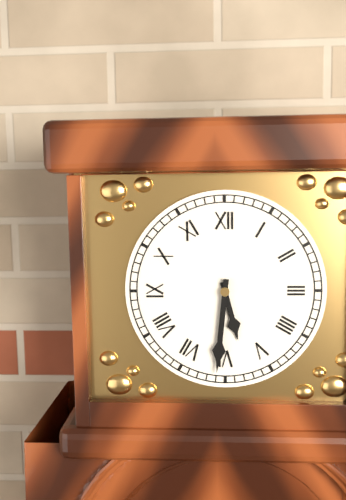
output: 5.31
